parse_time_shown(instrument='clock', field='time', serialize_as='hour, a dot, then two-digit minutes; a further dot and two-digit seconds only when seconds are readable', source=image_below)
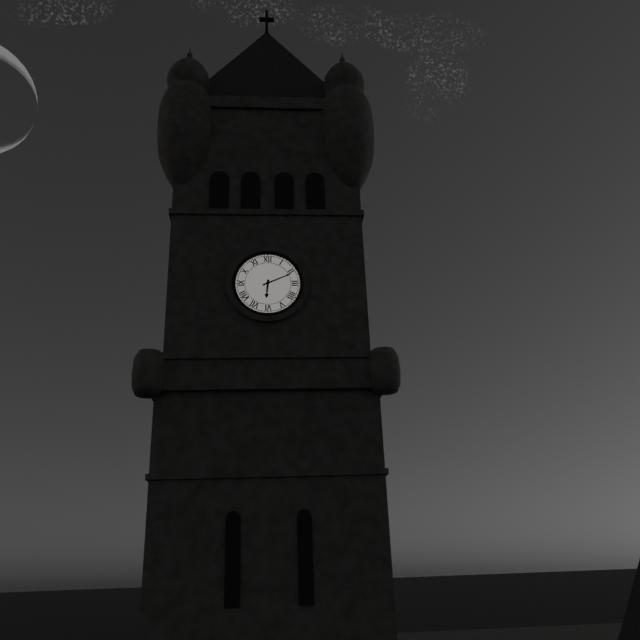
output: 6.11
